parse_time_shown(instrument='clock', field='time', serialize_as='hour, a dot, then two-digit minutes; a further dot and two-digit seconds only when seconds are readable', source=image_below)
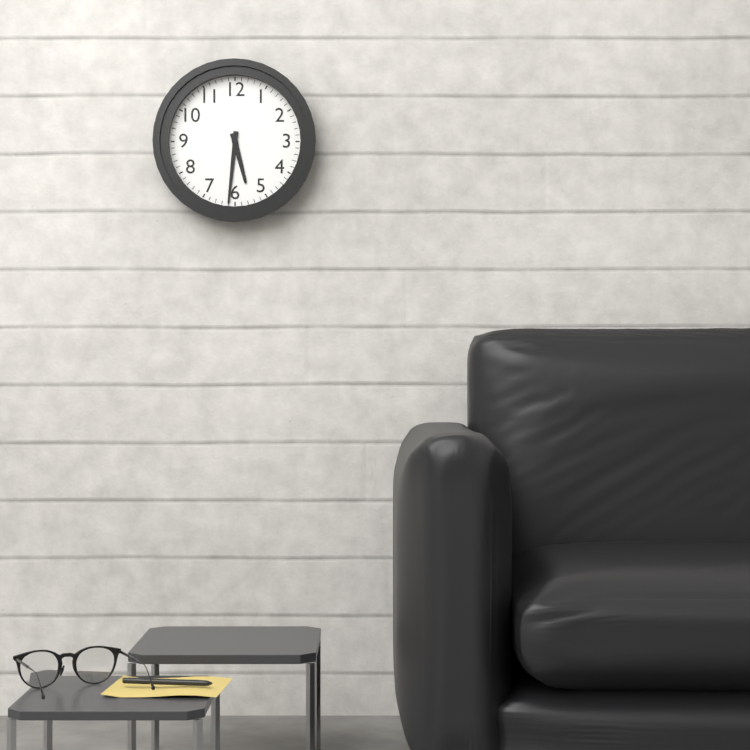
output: 5.31
